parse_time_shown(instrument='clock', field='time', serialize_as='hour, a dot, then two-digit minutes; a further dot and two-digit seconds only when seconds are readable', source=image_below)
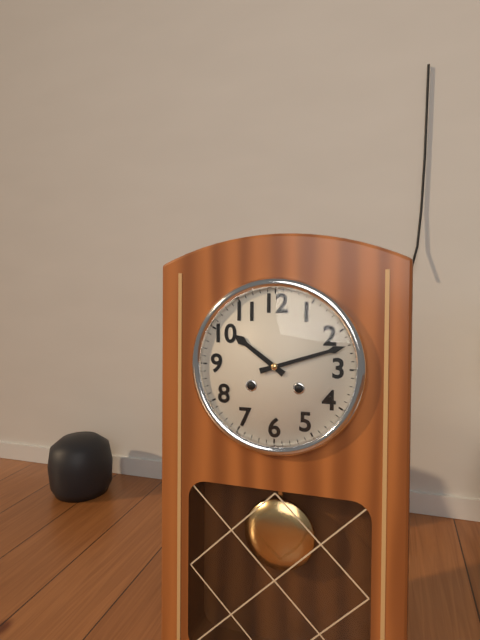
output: 10.12
